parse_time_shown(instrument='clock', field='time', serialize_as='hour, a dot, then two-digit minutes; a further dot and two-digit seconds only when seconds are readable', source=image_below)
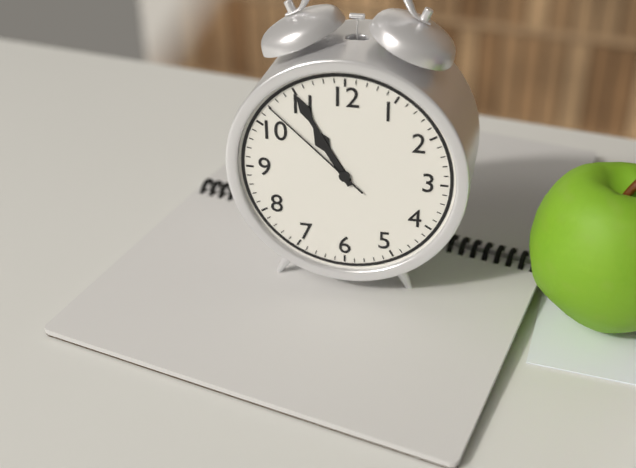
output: 10.55.52
